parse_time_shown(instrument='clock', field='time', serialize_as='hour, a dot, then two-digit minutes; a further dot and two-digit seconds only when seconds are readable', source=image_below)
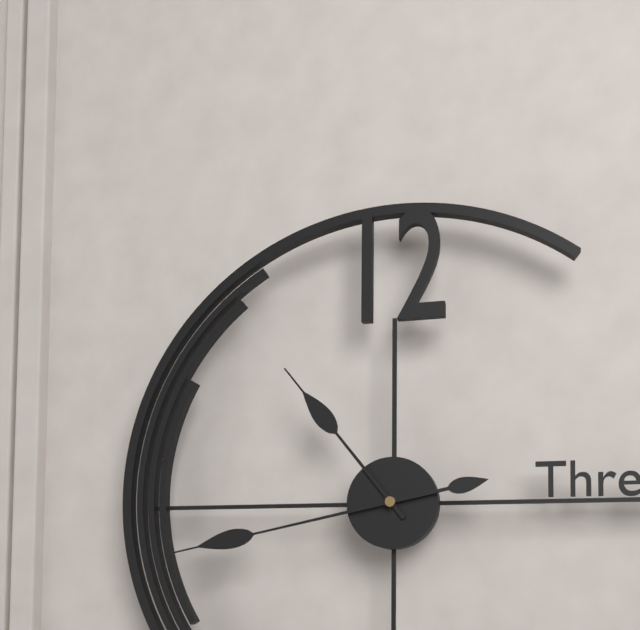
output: 10.43
